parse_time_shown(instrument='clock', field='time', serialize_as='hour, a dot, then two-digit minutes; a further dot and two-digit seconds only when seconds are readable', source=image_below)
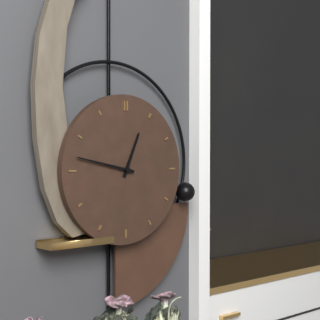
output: 12.47
